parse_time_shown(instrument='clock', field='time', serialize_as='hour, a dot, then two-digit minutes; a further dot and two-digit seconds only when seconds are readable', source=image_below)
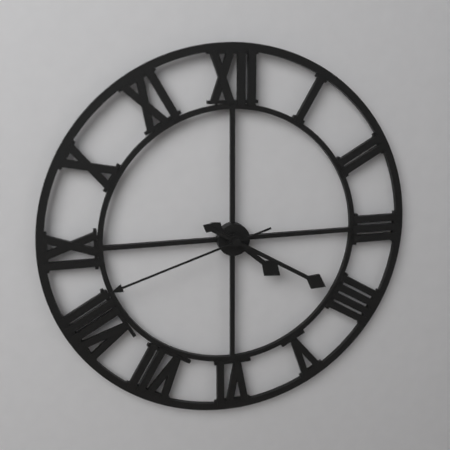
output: 4.20.42
